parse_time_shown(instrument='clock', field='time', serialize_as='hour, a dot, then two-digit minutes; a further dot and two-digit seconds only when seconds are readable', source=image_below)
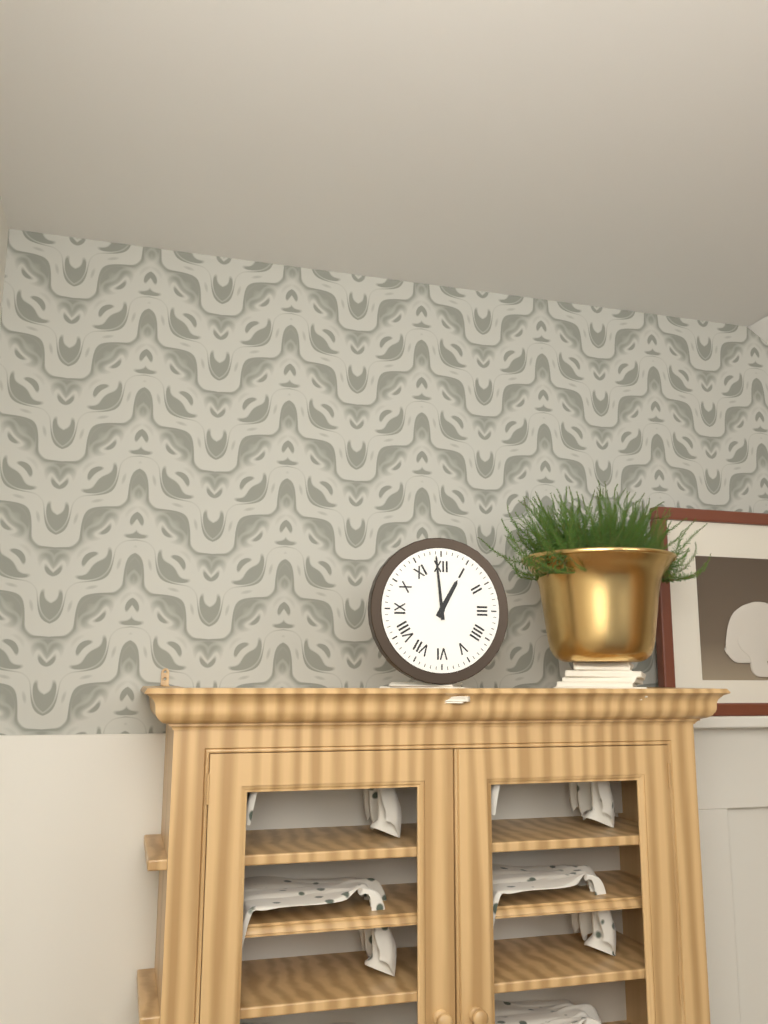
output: 12.59
